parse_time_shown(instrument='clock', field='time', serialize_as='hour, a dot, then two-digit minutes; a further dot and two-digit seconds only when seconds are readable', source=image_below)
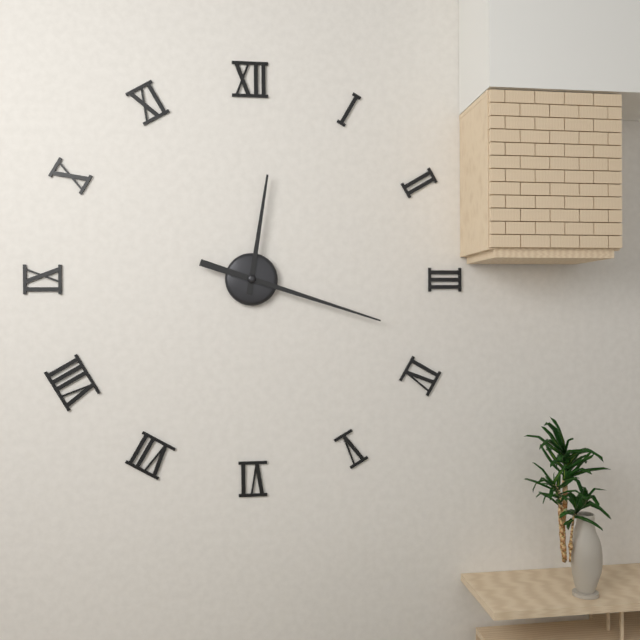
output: 12.18
